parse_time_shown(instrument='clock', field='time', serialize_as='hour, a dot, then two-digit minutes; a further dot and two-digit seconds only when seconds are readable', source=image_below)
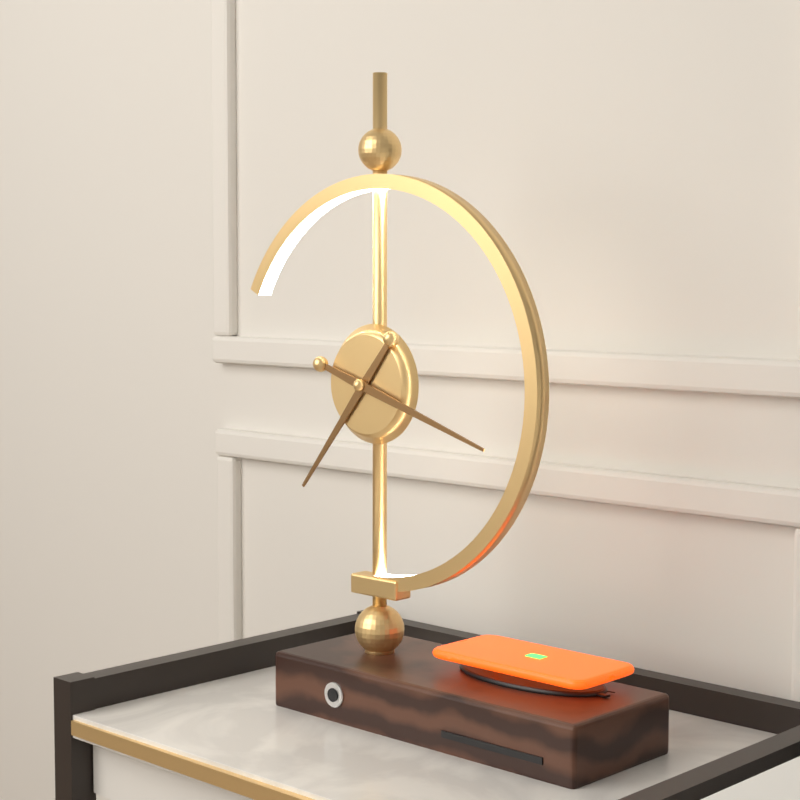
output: 7.18
